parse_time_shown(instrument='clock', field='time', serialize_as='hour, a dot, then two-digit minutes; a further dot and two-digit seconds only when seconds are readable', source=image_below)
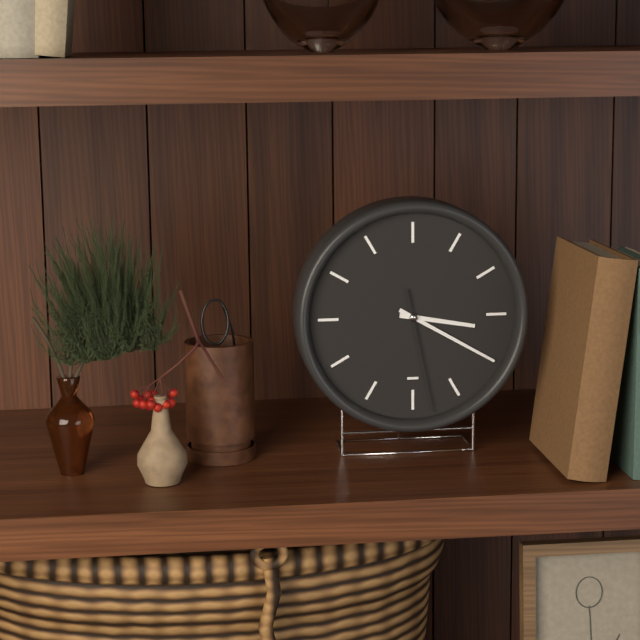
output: 3.20.28
